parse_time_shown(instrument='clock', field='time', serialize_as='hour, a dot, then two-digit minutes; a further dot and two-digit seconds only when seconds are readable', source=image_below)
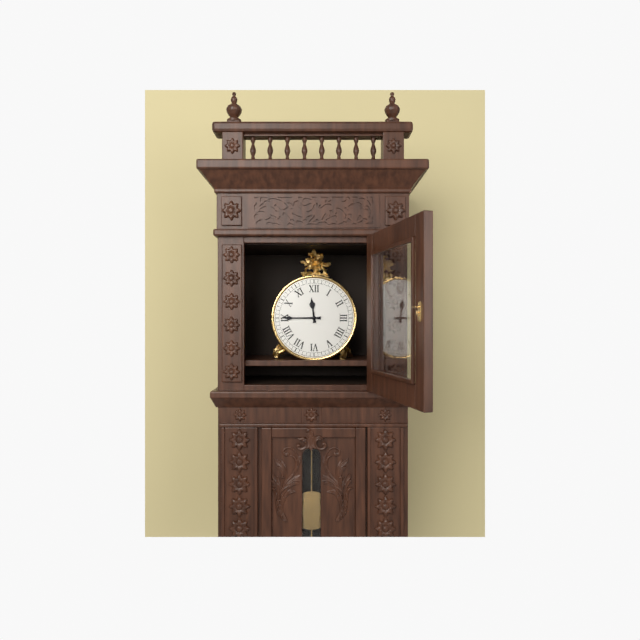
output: 11.45
